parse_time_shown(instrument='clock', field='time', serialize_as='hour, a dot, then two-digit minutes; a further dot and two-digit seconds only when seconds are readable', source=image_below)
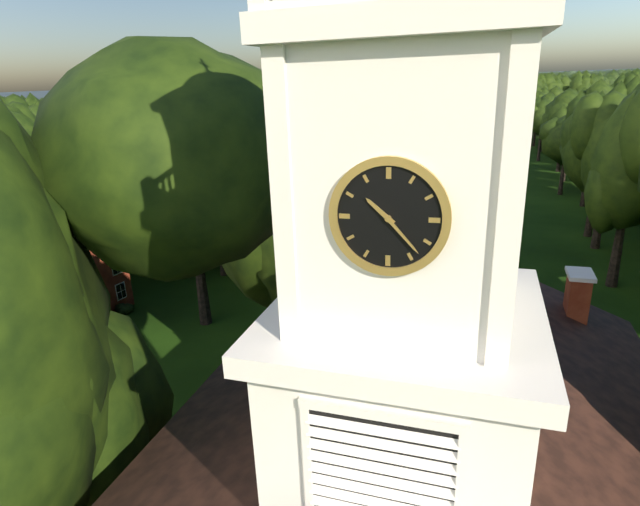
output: 10.23
